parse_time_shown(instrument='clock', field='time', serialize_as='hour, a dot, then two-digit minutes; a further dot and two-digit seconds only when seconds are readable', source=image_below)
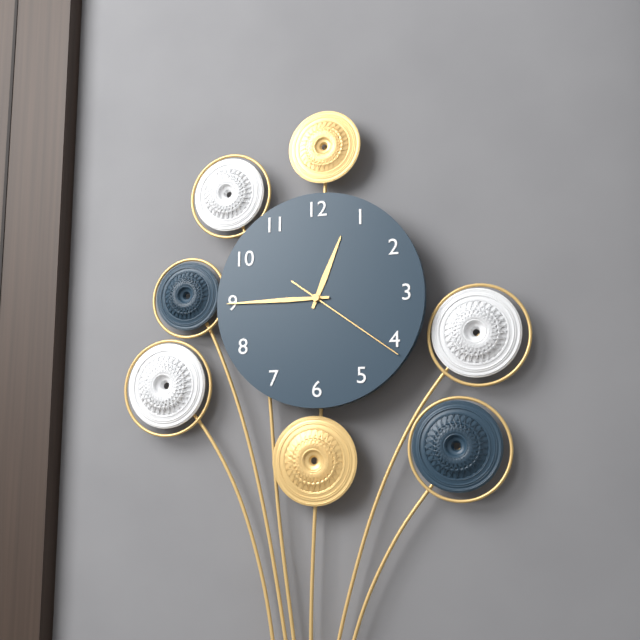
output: 12.45.21
